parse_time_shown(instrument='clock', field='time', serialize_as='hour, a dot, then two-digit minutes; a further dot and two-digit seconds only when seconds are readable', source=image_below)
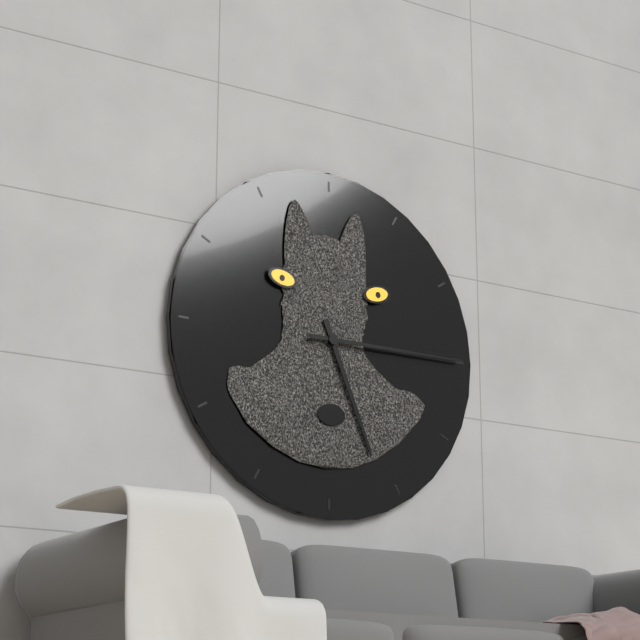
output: 5.15
